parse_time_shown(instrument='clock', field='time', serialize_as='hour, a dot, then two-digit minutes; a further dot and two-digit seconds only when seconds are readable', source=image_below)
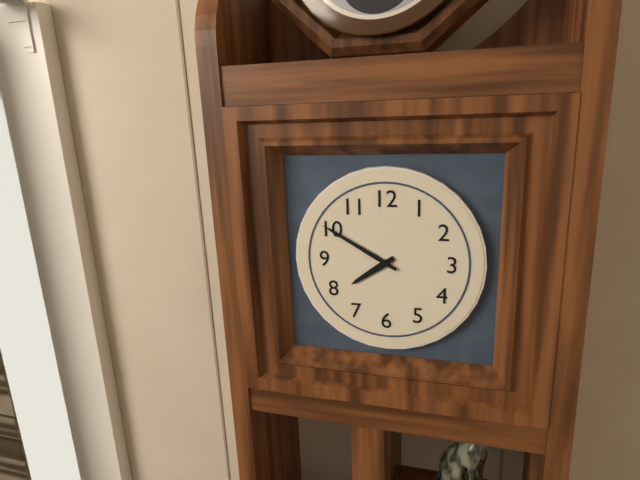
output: 7.50
